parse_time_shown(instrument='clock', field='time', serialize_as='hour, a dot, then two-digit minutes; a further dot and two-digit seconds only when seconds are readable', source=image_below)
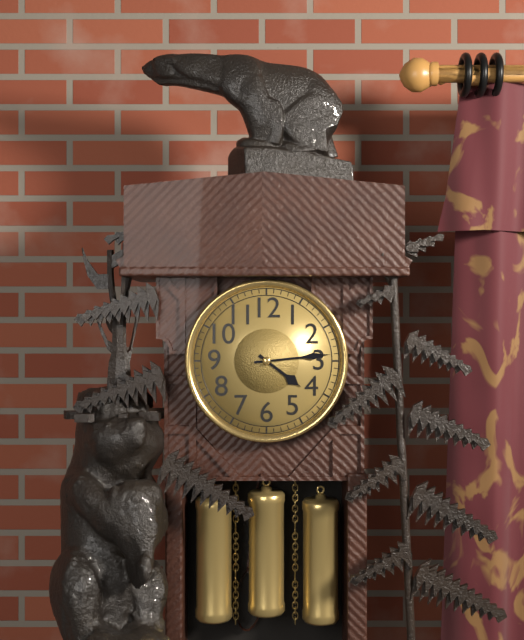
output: 4.14
